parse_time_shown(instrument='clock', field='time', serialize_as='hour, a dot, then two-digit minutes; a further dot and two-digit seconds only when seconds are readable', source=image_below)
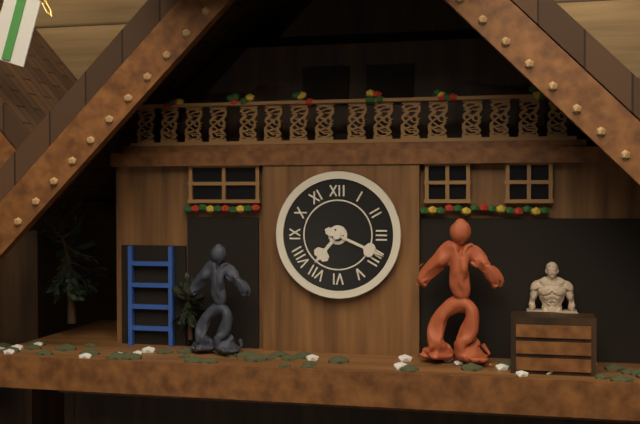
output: 7.19
